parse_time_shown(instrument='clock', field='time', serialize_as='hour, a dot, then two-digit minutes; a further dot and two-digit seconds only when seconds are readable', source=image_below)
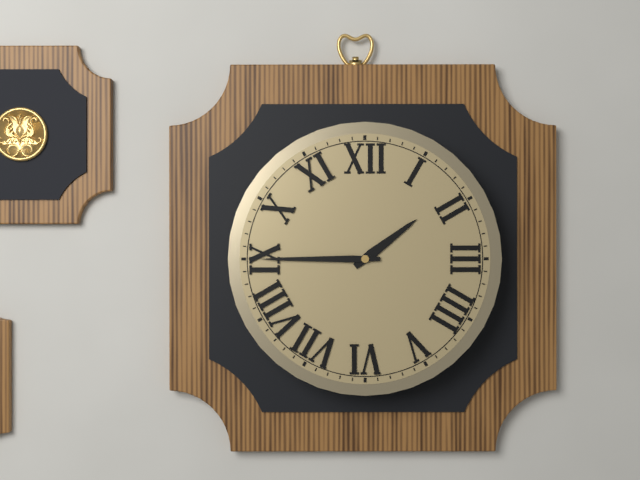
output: 1.45
